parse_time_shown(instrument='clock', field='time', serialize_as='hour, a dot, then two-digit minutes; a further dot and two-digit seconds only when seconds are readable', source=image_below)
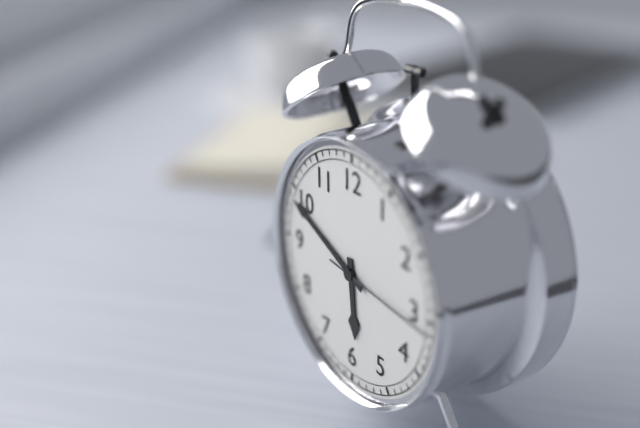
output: 5.49.16
